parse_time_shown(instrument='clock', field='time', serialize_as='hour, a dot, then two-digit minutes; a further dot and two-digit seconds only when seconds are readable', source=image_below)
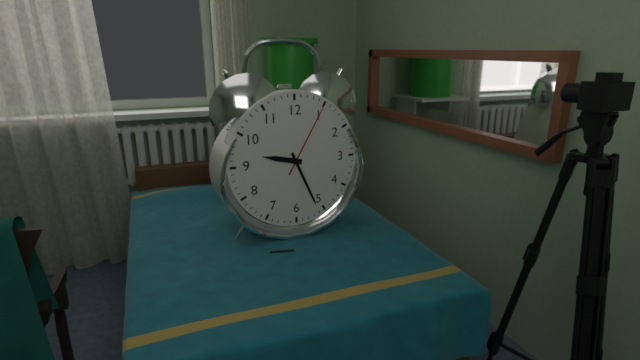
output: 9.26.05
